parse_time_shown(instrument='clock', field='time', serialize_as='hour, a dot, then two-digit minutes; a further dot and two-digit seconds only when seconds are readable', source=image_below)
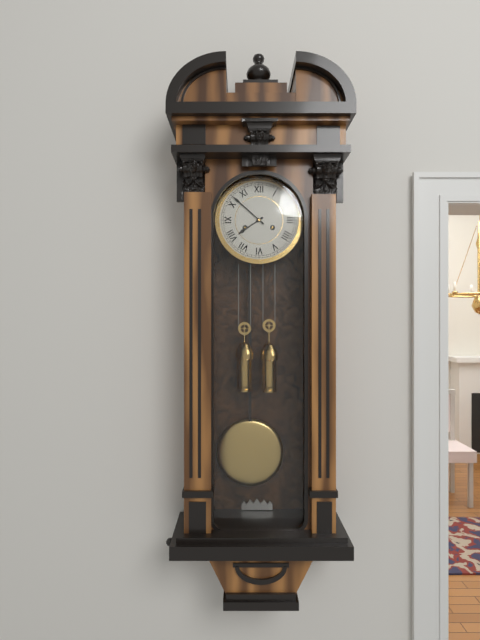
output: 7.52
